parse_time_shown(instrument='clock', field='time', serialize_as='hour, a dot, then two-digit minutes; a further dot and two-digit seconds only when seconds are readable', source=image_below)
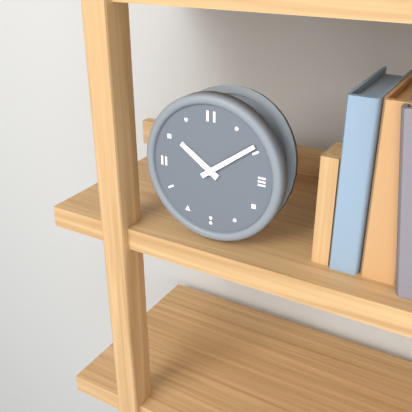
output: 10.09
